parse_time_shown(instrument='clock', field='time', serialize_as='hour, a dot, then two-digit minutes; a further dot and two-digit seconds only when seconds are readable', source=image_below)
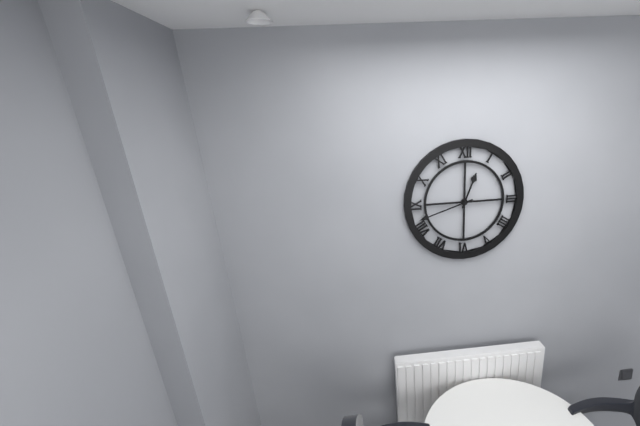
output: 12.42
